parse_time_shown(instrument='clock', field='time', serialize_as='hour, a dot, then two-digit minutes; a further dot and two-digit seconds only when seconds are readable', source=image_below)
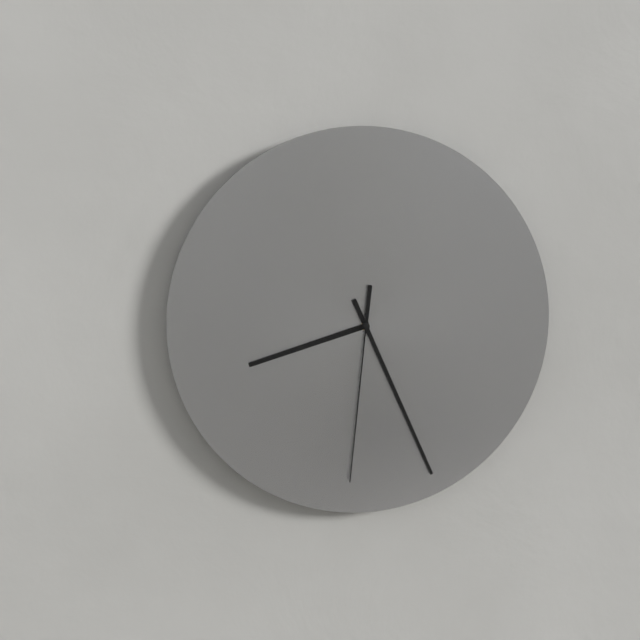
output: 8.26.31
